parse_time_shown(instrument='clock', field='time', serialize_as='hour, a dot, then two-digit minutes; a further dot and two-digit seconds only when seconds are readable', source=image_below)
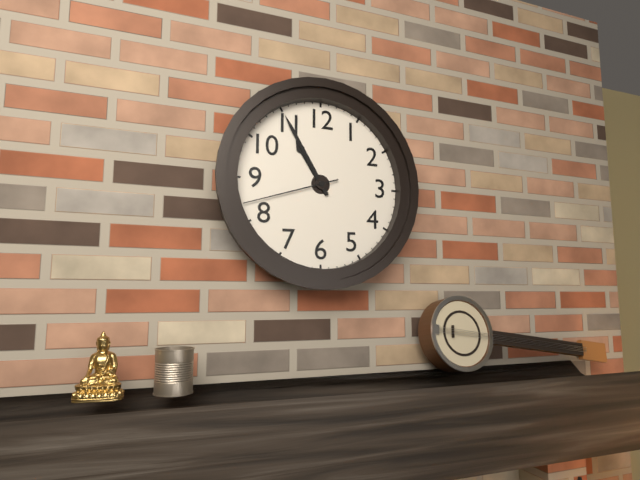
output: 10.55.42
